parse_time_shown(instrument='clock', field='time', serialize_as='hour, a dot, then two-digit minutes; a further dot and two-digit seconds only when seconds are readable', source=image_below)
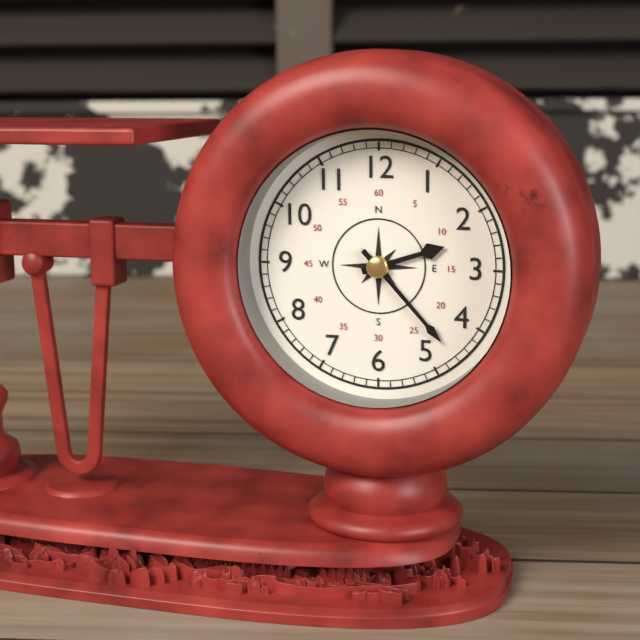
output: 2.23
